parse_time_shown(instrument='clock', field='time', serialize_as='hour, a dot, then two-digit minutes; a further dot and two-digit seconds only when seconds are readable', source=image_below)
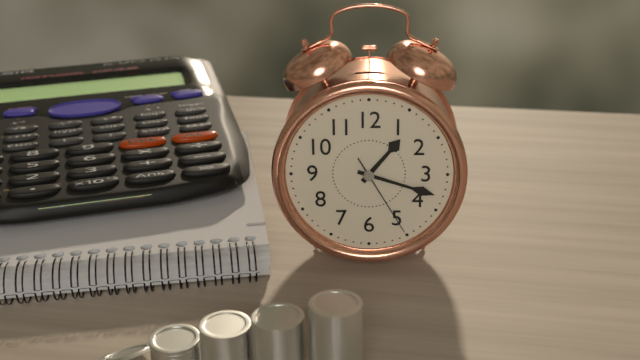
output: 1.18.25
